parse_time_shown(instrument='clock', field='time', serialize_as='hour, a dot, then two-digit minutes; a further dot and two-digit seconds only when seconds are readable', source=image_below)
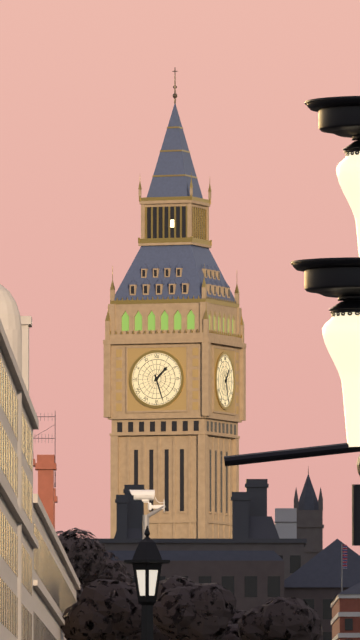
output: 1.27
